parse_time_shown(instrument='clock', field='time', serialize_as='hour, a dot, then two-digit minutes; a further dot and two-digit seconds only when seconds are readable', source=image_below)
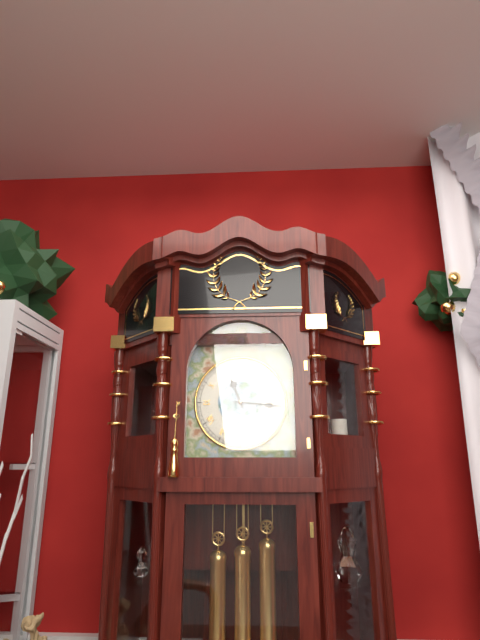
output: 11.16
